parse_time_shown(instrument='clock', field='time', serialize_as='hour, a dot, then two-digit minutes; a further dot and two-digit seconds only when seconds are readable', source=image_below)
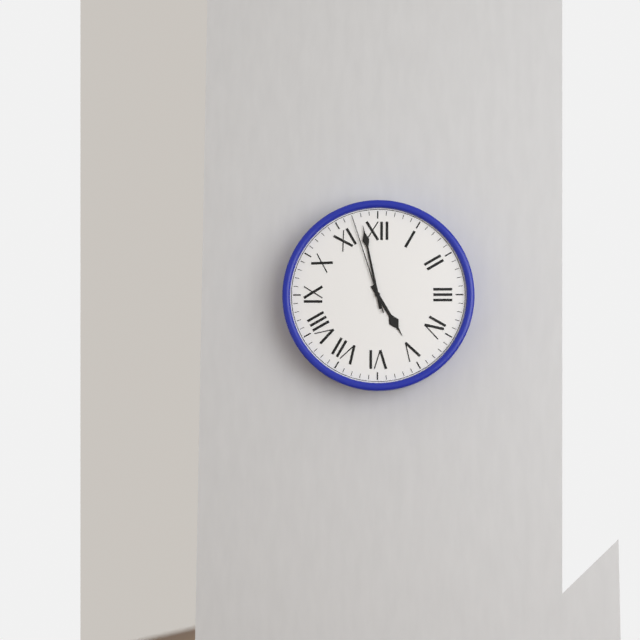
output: 4.58.57
